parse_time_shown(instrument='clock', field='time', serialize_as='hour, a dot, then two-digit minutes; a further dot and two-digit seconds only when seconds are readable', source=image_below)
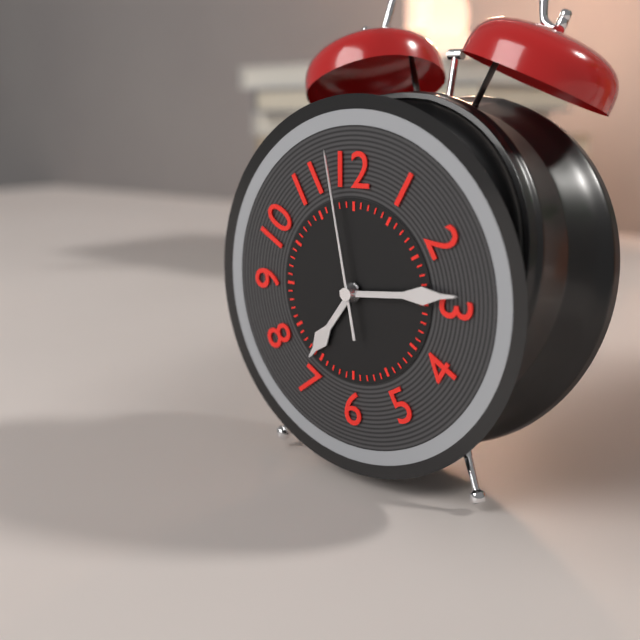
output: 7.14.58
